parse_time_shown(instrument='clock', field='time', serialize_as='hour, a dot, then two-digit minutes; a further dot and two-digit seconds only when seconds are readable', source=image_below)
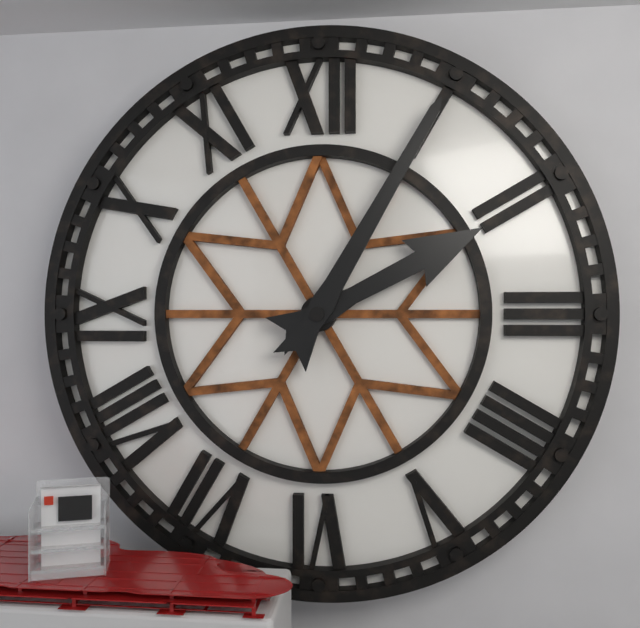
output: 2.05
